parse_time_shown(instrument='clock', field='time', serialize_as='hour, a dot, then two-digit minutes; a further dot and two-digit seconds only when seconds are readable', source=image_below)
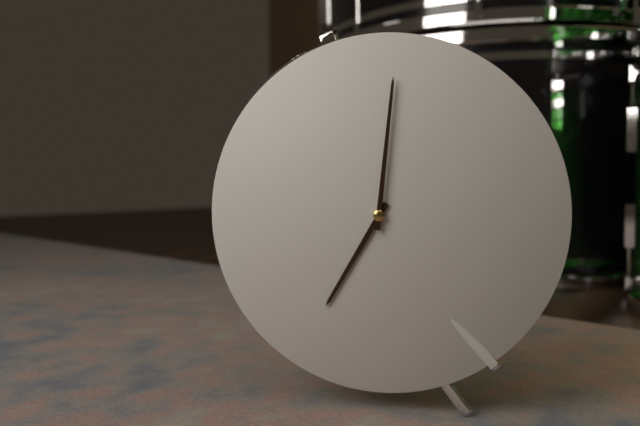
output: 7.01
